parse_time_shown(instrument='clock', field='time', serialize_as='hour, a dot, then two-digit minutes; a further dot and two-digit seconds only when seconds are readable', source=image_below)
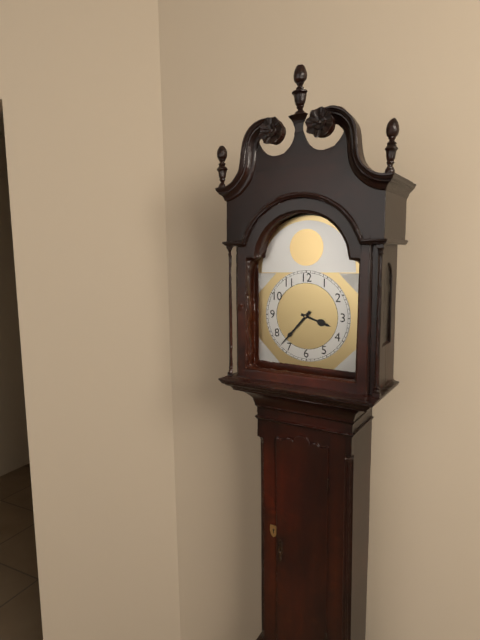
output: 3.37
